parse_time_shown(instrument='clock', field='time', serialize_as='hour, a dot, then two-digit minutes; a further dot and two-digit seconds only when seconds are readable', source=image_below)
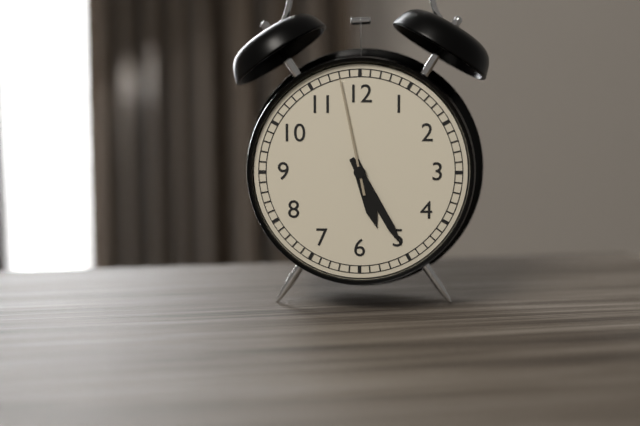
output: 5.25.58
